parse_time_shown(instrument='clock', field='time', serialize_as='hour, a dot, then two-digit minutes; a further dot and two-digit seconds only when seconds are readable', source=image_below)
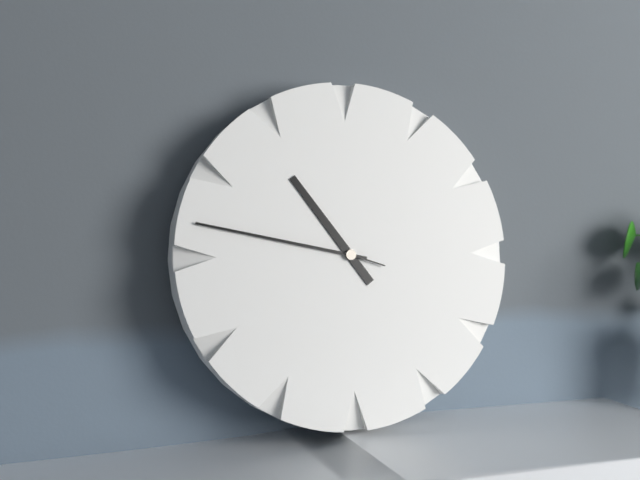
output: 10.47
